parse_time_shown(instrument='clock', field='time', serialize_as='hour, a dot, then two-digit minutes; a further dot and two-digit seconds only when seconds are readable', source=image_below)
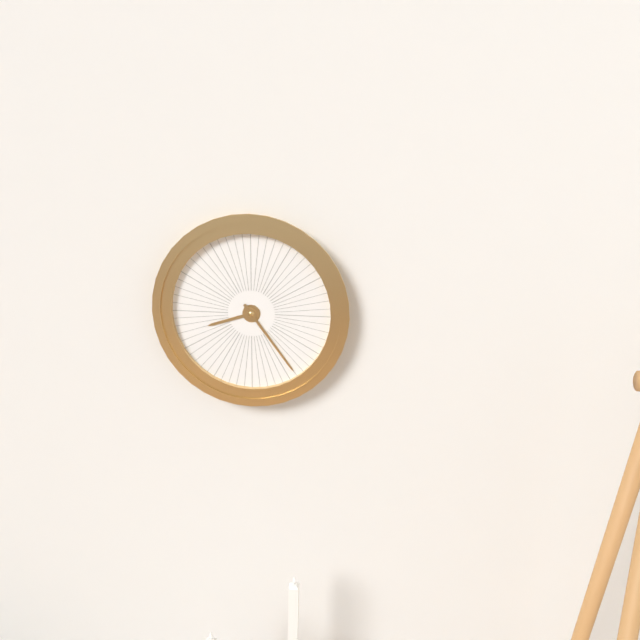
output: 8.24
